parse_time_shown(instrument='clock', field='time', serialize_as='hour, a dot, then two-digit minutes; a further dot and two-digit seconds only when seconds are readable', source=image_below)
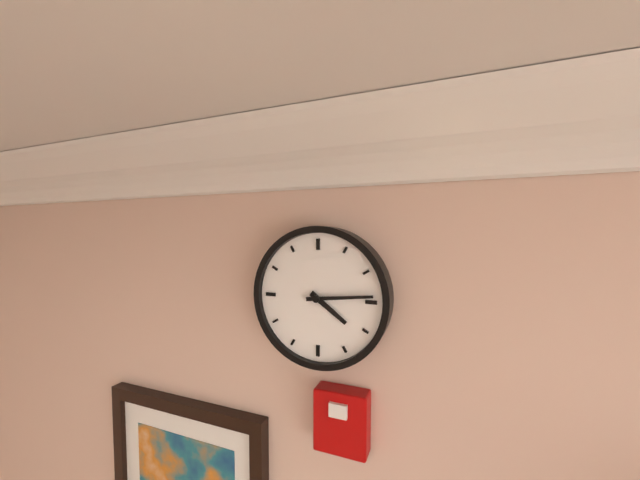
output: 4.14
